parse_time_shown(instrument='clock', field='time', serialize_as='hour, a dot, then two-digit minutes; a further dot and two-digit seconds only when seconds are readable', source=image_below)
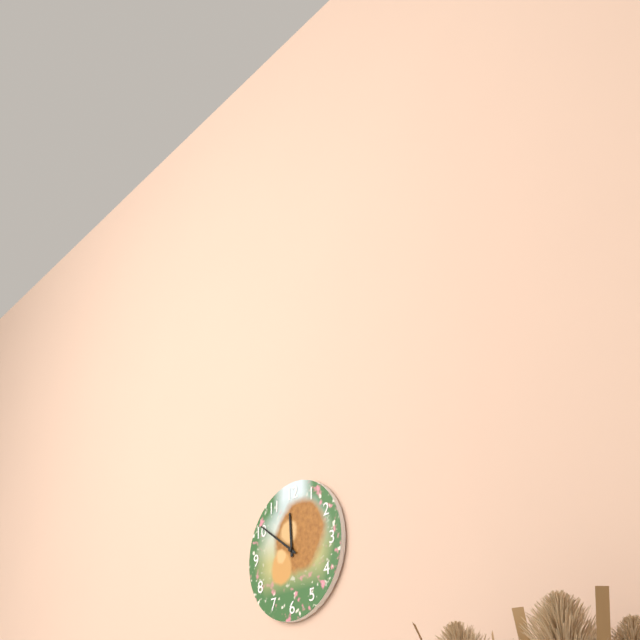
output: 11.51
